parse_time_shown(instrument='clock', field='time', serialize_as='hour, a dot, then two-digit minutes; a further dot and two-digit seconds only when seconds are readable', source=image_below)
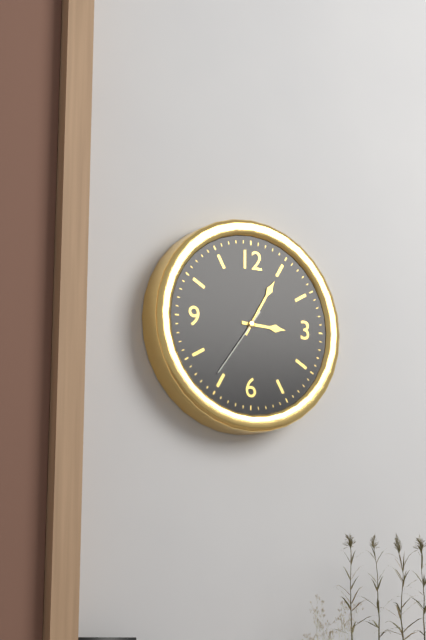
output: 3.05.36
